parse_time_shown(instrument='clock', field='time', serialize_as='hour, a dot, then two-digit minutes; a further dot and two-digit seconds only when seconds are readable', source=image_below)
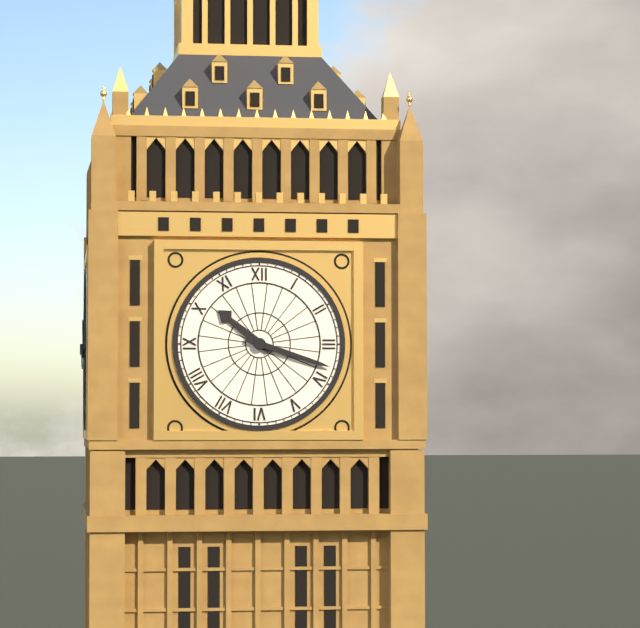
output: 10.18
